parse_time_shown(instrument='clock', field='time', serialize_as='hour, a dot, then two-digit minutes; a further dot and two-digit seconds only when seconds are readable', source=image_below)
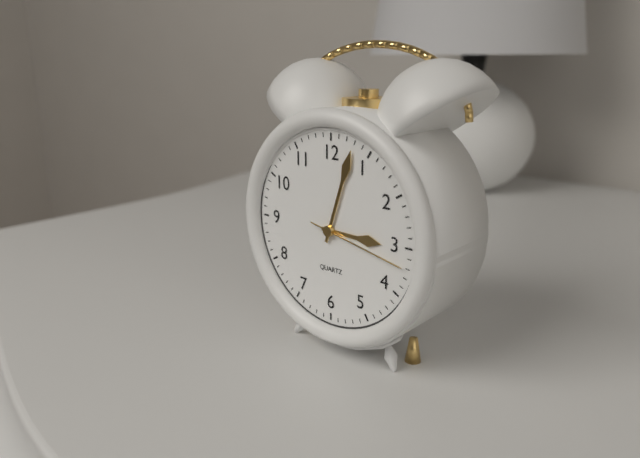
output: 3.03.17
